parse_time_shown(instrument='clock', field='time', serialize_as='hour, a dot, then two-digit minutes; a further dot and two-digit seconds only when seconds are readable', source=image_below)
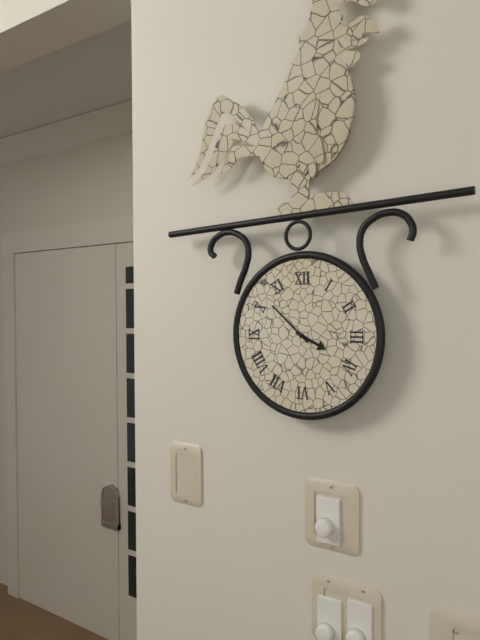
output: 3.52
